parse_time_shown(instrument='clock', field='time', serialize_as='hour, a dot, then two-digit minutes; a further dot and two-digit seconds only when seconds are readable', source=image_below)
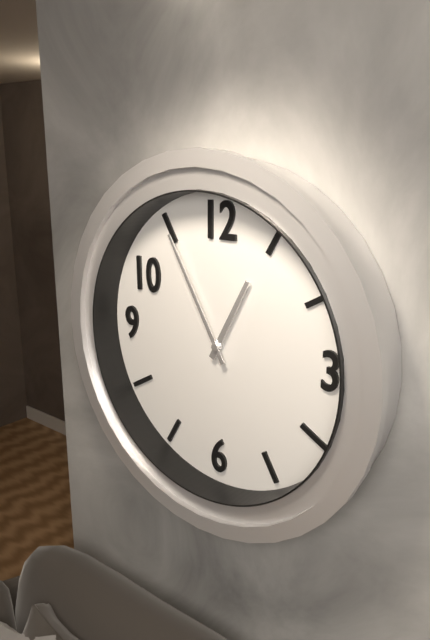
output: 12.55
